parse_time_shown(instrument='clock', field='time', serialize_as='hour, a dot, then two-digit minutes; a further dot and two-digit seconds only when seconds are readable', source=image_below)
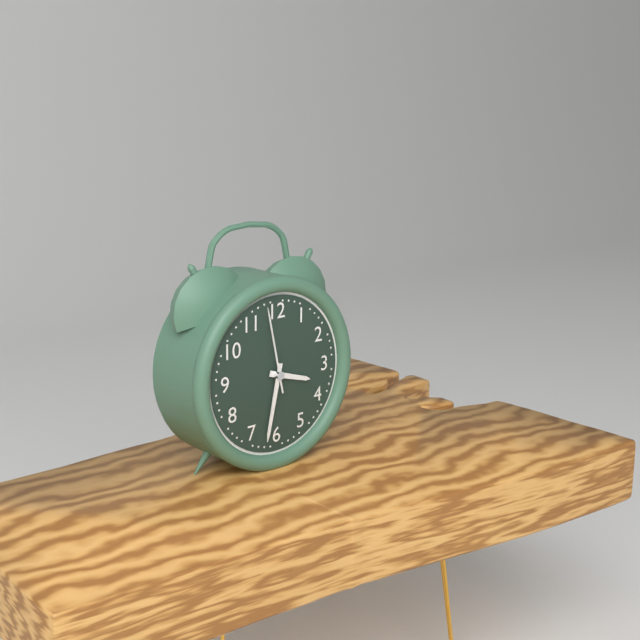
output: 3.32.58
